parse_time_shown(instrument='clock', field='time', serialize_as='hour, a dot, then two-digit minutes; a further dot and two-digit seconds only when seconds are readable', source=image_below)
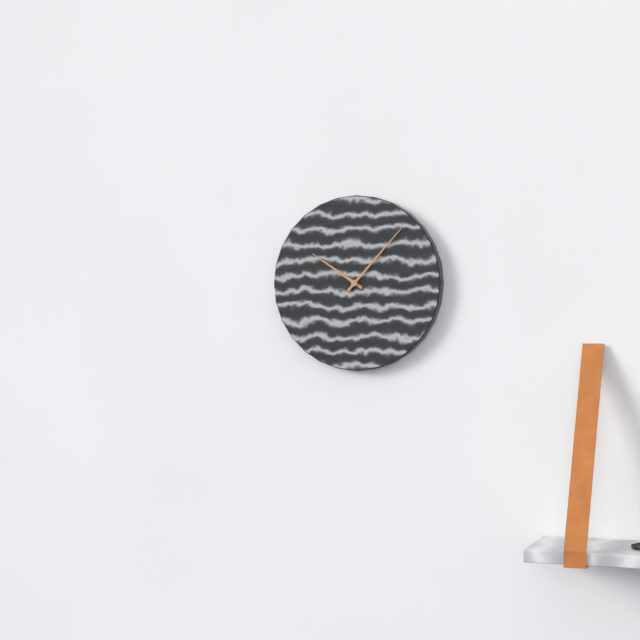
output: 10.07
